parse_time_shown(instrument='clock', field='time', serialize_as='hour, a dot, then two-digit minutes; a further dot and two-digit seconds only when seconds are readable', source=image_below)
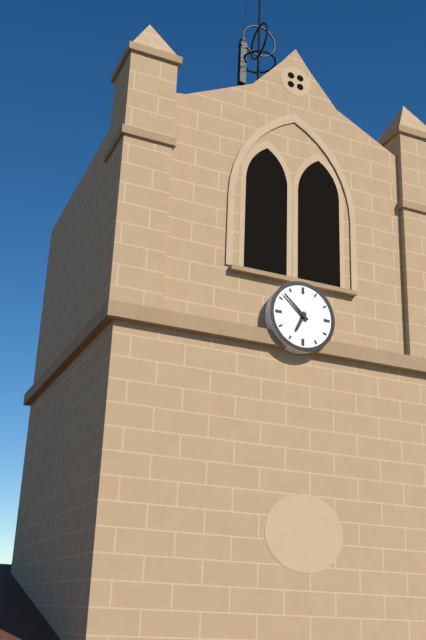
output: 6.52
